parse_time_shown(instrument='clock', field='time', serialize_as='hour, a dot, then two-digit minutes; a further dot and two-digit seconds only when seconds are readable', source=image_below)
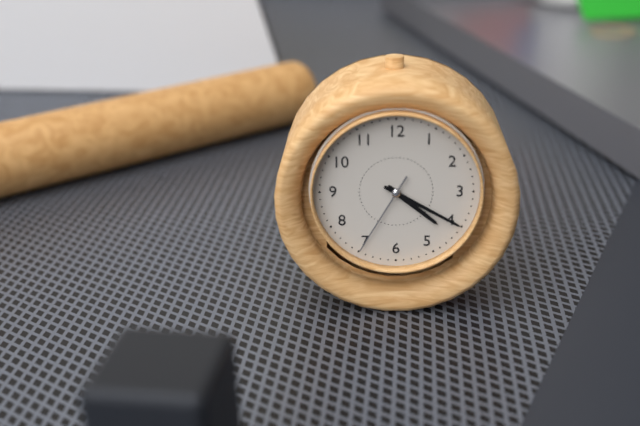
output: 4.20.35
